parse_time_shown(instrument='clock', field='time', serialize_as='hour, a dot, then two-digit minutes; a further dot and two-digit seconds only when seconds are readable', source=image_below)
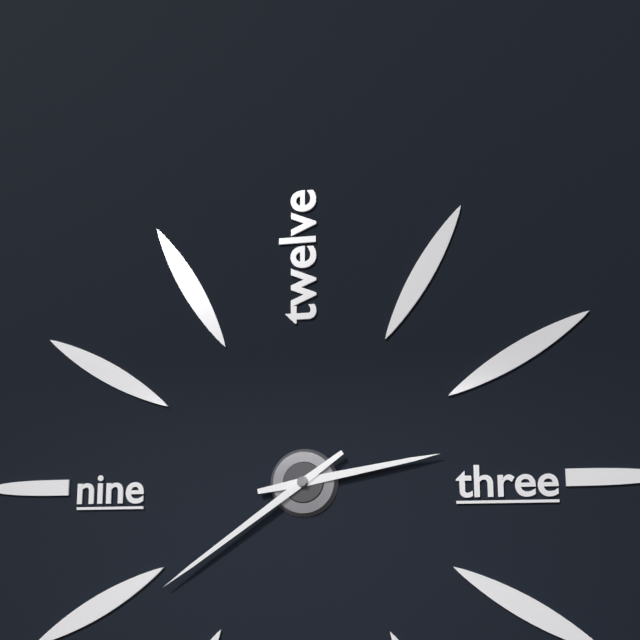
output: 2.39
